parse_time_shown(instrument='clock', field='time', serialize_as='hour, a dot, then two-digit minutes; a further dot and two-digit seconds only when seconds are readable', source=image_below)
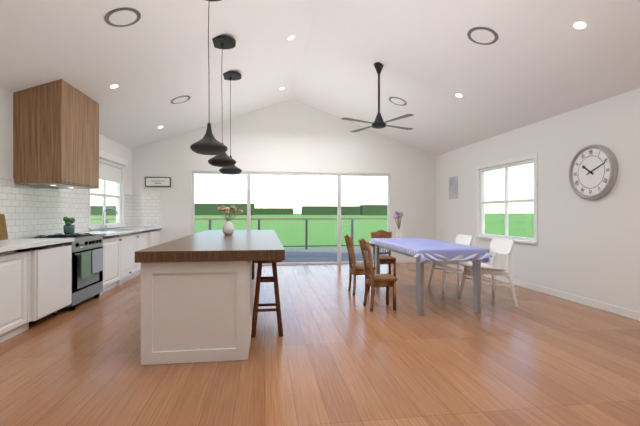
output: 10.11
